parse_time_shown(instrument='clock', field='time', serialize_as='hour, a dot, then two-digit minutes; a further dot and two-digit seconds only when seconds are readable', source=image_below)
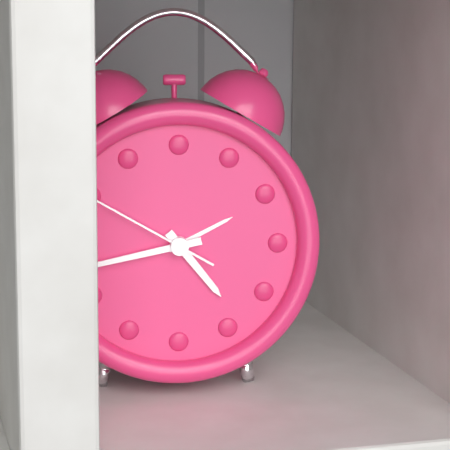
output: 4.43.50
